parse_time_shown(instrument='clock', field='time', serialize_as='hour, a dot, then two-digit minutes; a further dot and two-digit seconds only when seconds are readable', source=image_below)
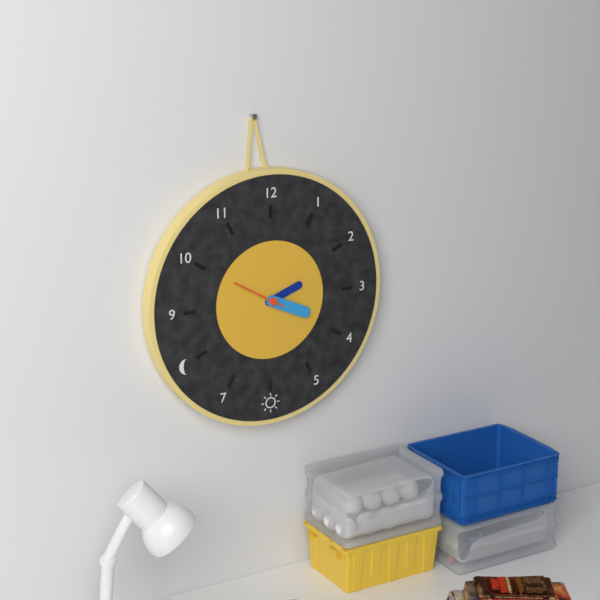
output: 2.19.50
